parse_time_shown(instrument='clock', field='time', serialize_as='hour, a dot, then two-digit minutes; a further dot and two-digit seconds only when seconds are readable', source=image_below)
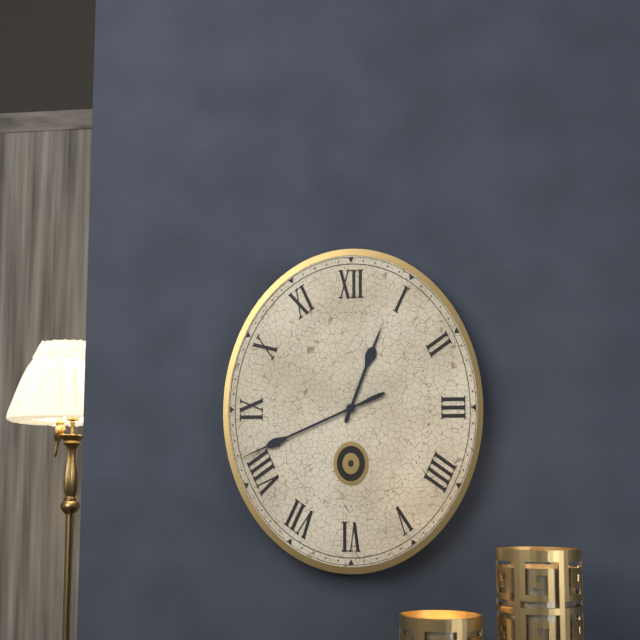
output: 12.41
